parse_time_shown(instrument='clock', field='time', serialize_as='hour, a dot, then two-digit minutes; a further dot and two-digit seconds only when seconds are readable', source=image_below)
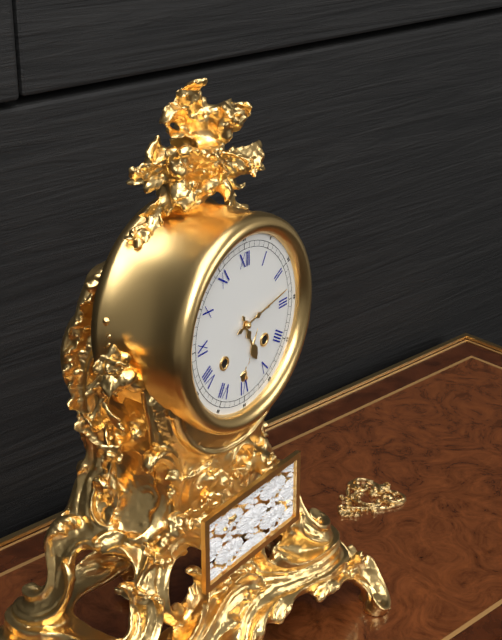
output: 5.13
